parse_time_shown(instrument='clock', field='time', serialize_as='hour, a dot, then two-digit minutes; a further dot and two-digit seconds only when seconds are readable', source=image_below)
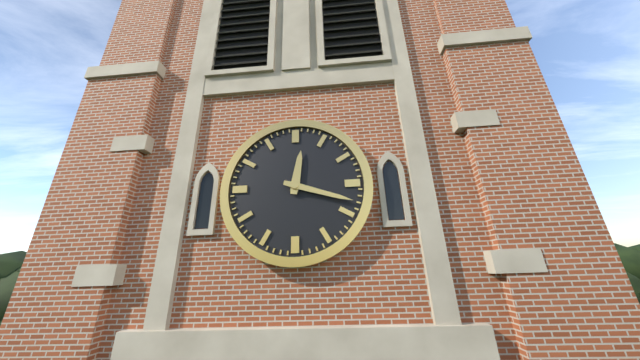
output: 12.18
